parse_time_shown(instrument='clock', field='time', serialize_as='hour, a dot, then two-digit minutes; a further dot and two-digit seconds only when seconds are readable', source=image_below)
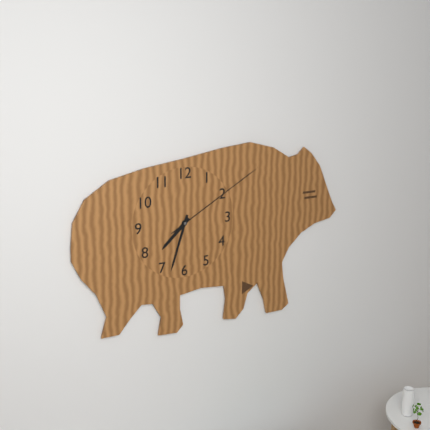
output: 7.33.10
